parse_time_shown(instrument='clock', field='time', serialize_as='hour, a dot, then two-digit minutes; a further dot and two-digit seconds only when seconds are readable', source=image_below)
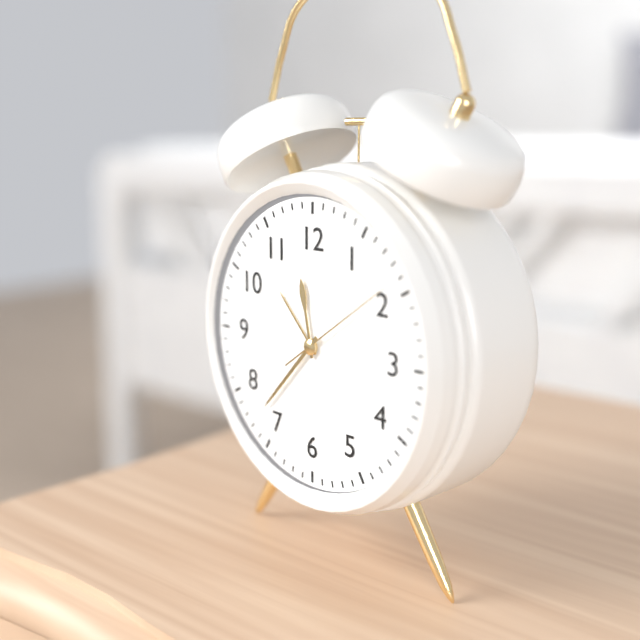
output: 11.37.09
